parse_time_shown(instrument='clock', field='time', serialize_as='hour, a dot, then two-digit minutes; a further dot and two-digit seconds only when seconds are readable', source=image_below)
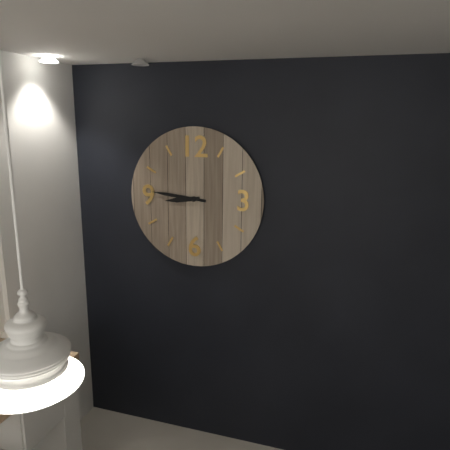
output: 8.46
